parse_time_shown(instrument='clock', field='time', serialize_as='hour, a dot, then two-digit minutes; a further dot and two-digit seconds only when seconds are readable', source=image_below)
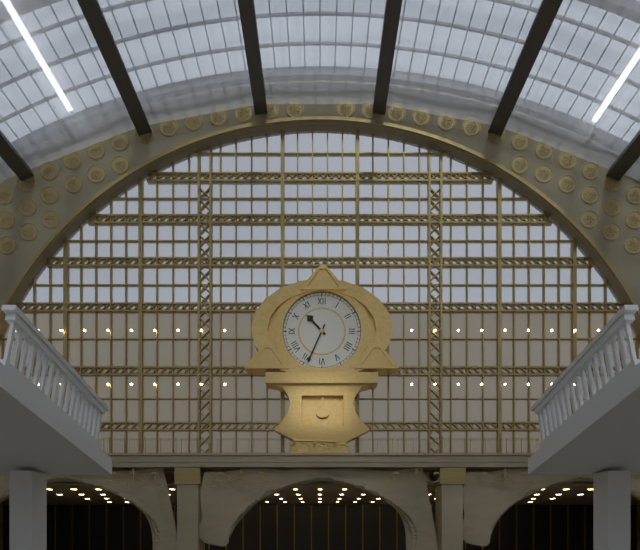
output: 10.34
